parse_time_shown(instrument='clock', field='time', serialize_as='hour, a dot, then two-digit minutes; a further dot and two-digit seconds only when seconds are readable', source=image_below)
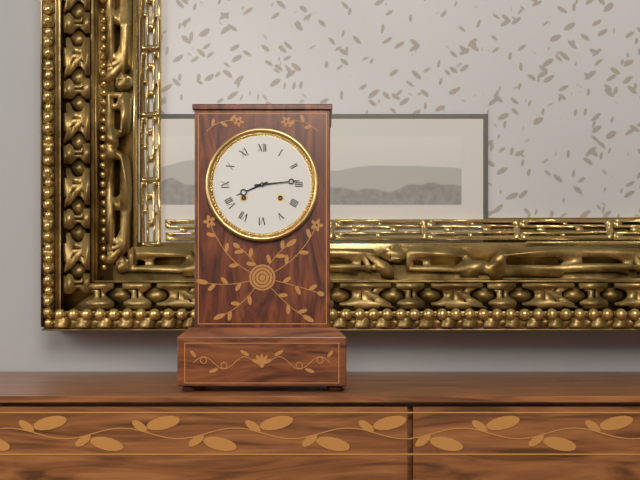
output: 8.14
